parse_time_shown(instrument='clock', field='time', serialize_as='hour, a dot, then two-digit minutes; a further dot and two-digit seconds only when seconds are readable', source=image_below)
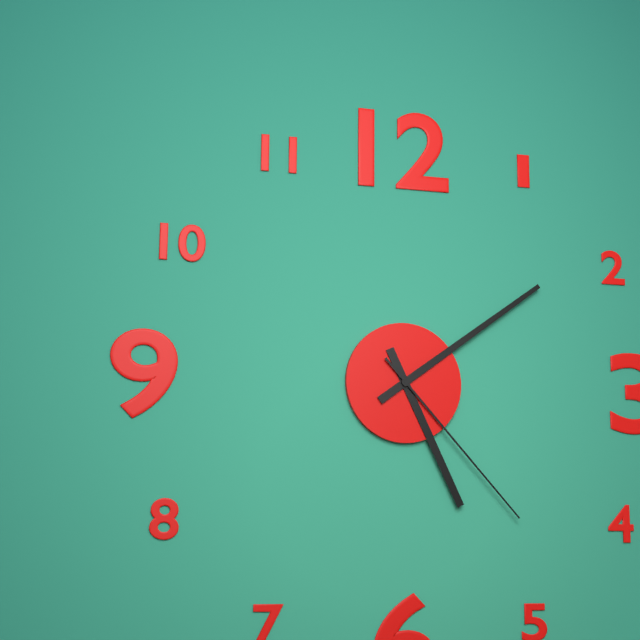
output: 5.09.23
